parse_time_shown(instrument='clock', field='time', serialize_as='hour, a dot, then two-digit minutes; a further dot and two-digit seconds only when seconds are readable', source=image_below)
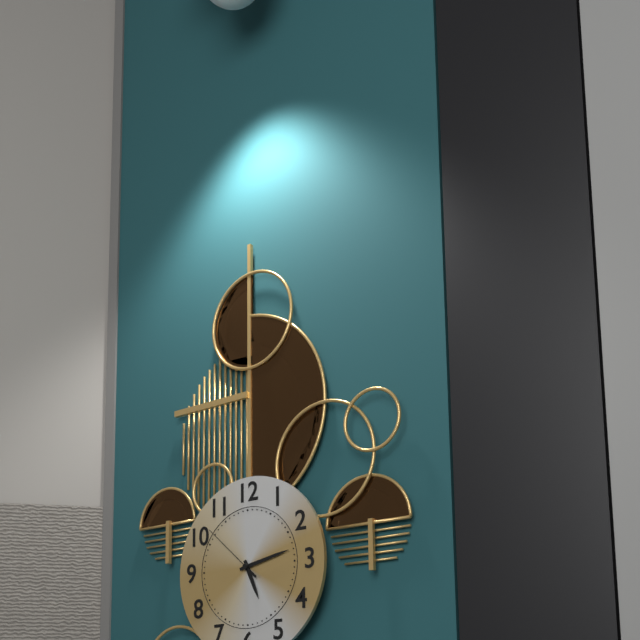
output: 5.13.52
